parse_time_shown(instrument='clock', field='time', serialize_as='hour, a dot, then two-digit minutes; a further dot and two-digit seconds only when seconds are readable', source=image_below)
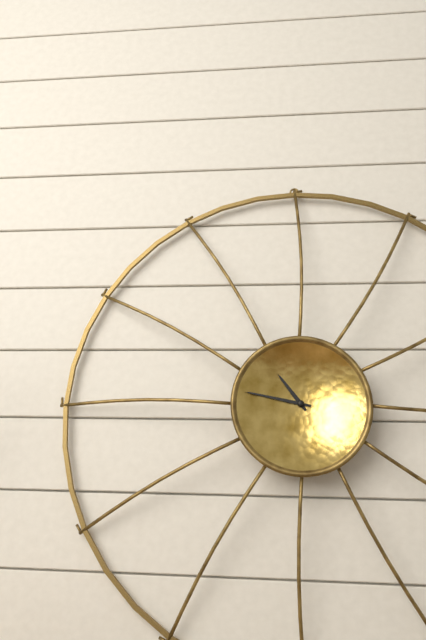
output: 10.47
